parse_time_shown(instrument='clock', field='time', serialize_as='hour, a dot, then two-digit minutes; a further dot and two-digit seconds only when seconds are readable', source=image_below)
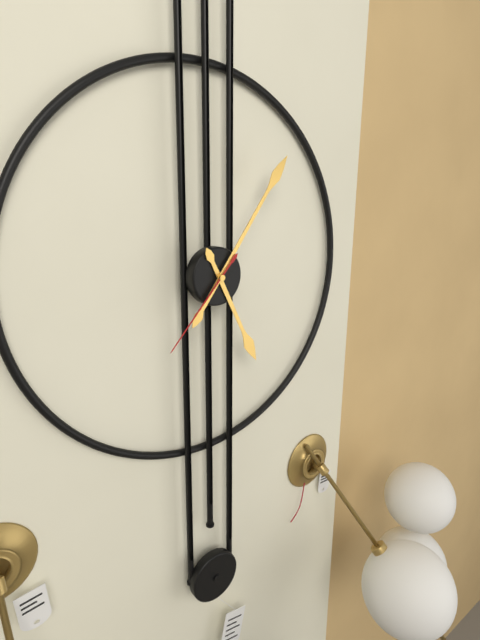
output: 5.06.37
